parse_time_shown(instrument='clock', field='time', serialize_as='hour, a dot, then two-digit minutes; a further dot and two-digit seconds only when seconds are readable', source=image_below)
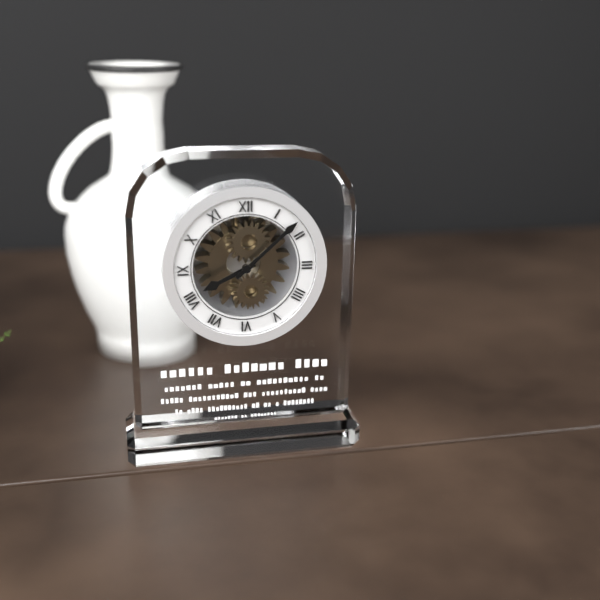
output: 8.08
